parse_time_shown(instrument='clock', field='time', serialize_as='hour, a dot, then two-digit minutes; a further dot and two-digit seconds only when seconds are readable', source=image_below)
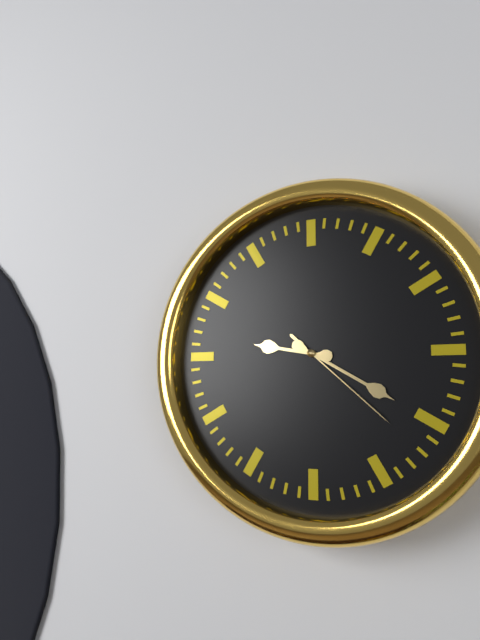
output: 9.20.22
